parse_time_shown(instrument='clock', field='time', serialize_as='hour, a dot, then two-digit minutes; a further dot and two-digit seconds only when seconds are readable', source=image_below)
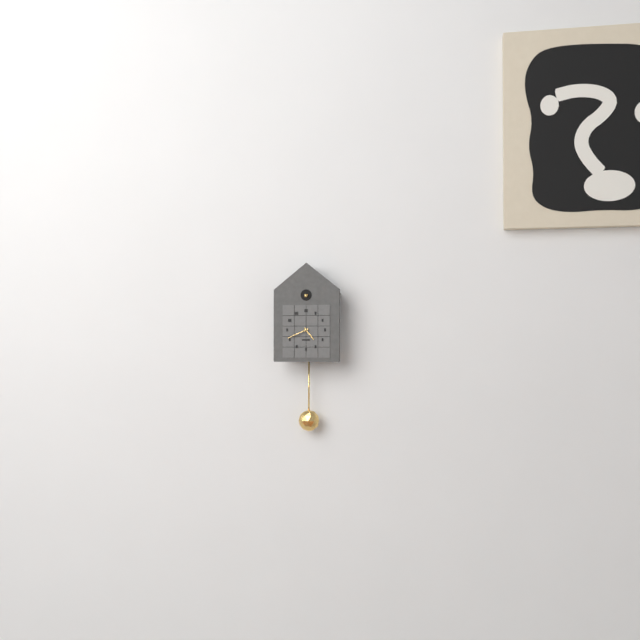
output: 4.41
